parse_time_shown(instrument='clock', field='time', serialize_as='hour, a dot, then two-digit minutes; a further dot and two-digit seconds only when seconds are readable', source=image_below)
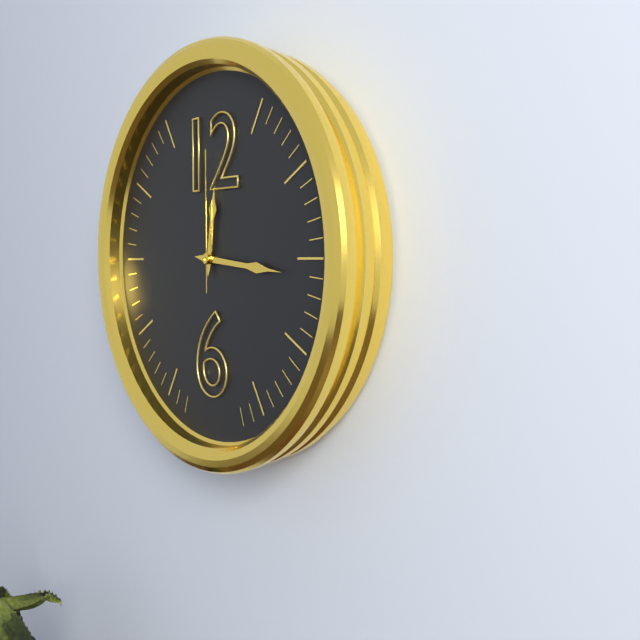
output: 12.16.00
